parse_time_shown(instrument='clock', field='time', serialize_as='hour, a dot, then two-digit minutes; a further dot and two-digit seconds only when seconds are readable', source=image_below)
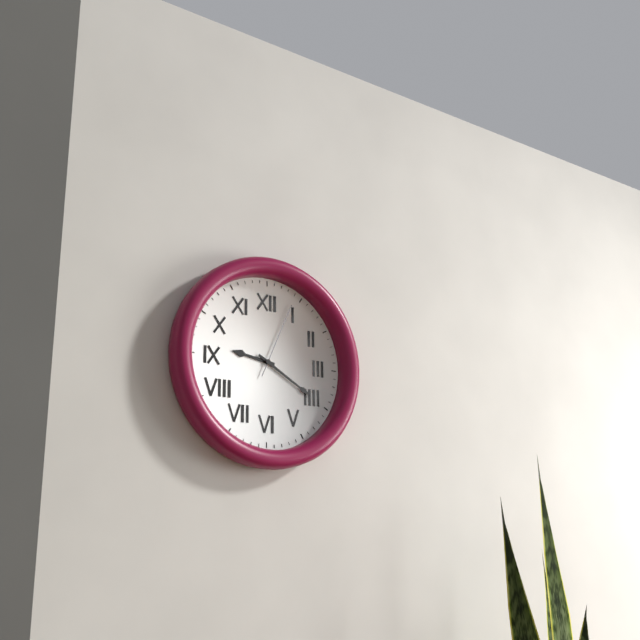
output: 9.20.04
